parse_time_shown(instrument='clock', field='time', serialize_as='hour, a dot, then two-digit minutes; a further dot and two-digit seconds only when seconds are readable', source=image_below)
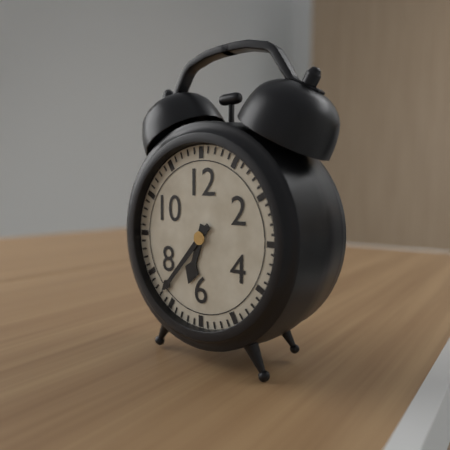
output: 6.37
